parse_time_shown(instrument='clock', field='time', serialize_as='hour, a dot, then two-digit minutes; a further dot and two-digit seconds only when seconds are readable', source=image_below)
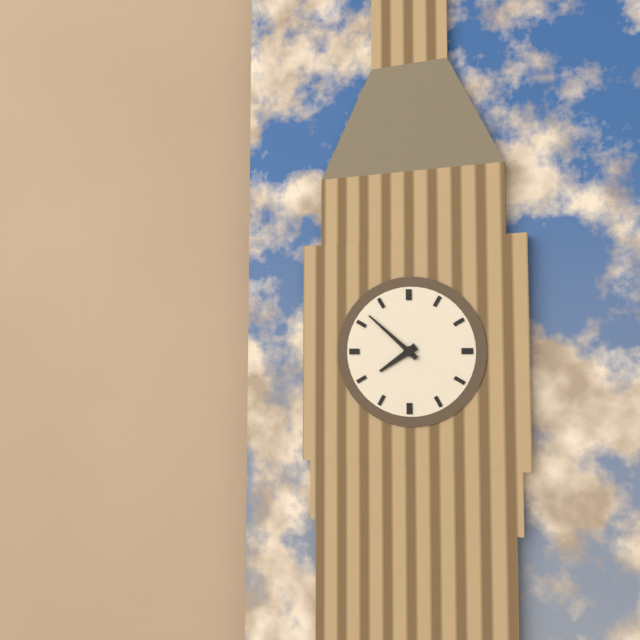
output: 7.52
